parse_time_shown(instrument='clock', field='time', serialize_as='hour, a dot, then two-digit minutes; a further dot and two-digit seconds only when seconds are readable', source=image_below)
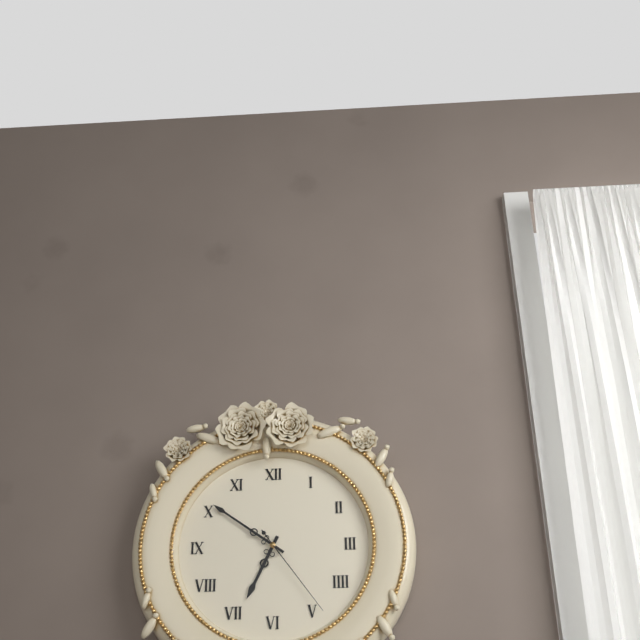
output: 6.51.24
